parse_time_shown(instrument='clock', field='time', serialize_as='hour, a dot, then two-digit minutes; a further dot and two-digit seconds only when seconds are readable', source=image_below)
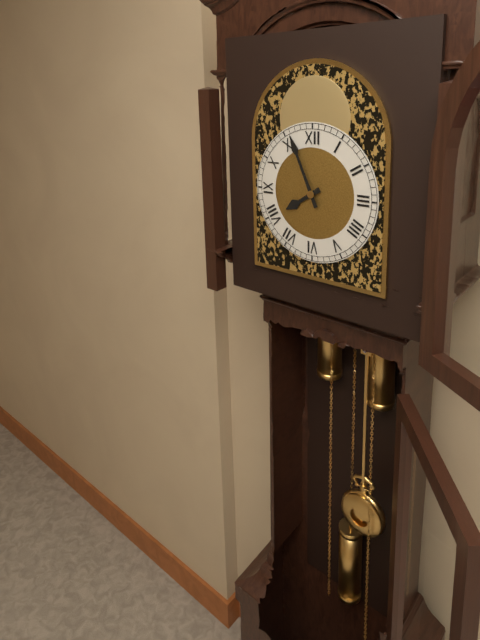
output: 7.56
